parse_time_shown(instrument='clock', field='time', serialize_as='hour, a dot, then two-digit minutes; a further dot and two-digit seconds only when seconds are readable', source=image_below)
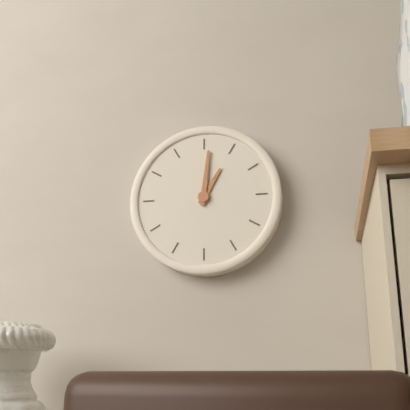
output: 1.01
